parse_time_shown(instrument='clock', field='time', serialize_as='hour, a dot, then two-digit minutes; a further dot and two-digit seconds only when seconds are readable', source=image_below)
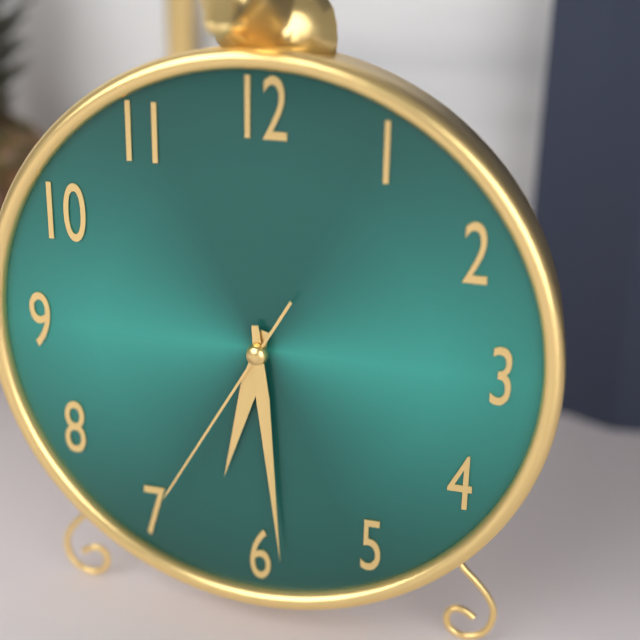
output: 6.29.35
